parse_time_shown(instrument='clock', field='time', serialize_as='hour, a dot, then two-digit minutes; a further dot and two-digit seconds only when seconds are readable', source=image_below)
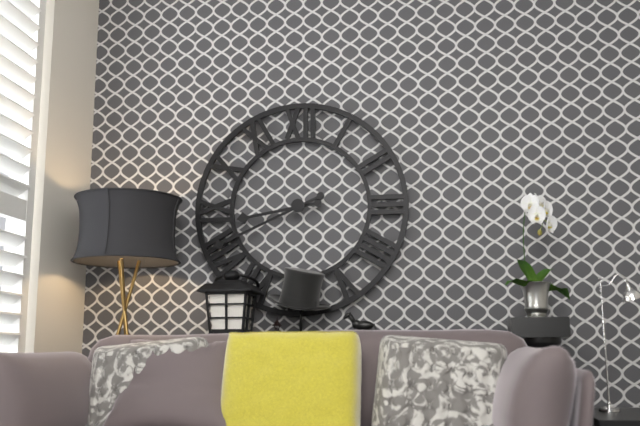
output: 8.41
